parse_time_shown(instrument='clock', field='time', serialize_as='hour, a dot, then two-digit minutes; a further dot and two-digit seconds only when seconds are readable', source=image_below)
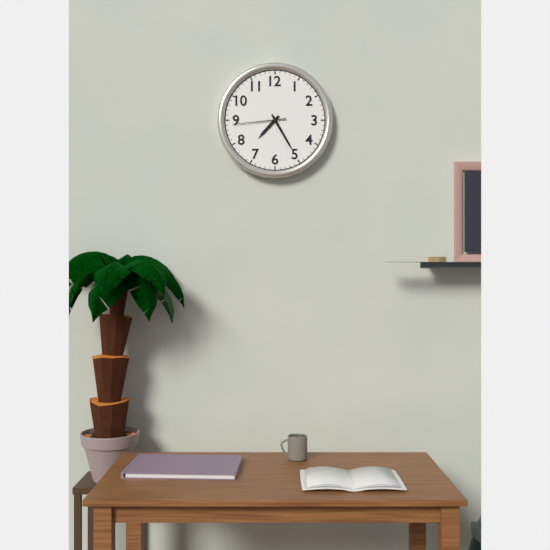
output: 7.25.44
